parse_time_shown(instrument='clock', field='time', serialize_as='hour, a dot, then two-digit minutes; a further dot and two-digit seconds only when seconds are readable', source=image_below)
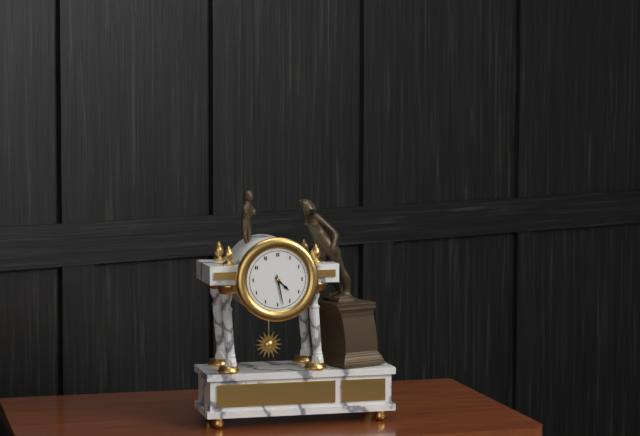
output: 4.28
